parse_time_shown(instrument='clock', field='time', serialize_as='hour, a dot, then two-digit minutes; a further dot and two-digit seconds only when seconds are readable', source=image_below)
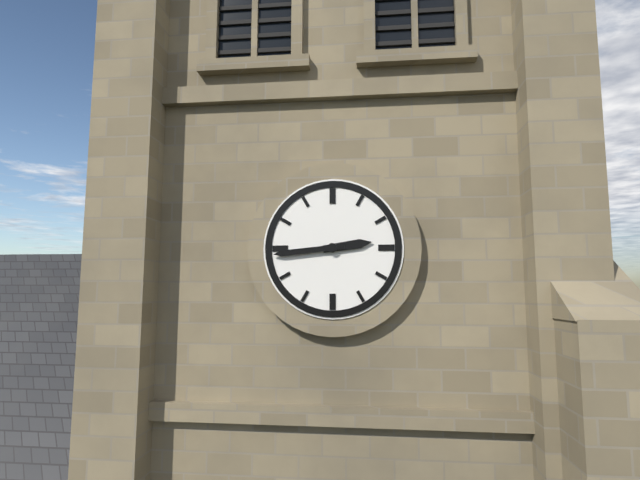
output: 2.44
